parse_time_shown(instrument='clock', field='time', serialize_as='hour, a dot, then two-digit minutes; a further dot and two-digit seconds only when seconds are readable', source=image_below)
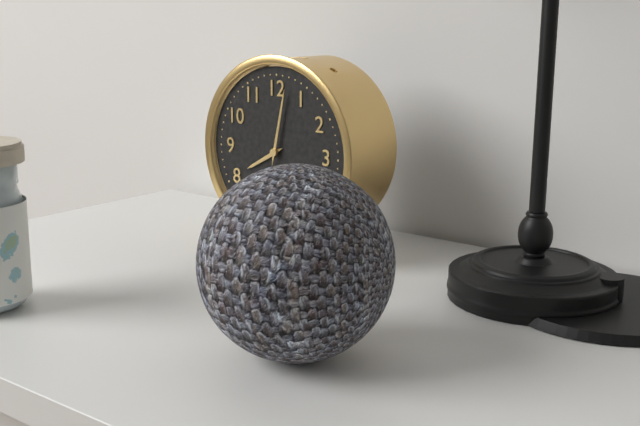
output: 8.02
